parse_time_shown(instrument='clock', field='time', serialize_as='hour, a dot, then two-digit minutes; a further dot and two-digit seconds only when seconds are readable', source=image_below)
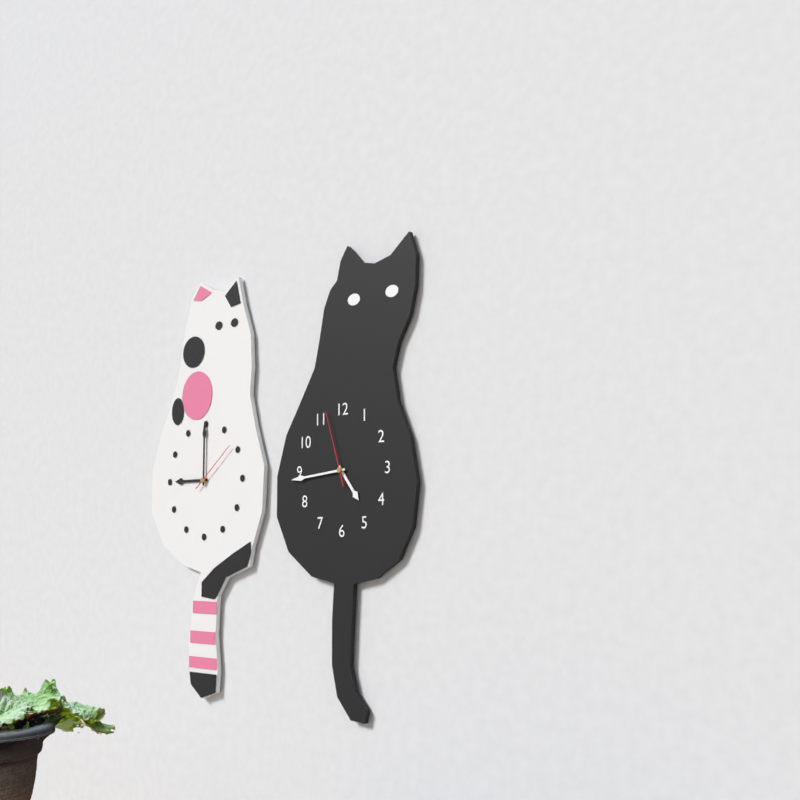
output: 4.44.57
